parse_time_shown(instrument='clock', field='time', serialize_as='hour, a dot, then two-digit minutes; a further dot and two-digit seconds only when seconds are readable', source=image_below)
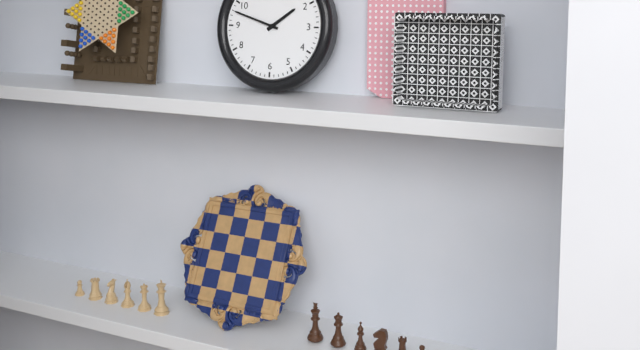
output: 1.48
